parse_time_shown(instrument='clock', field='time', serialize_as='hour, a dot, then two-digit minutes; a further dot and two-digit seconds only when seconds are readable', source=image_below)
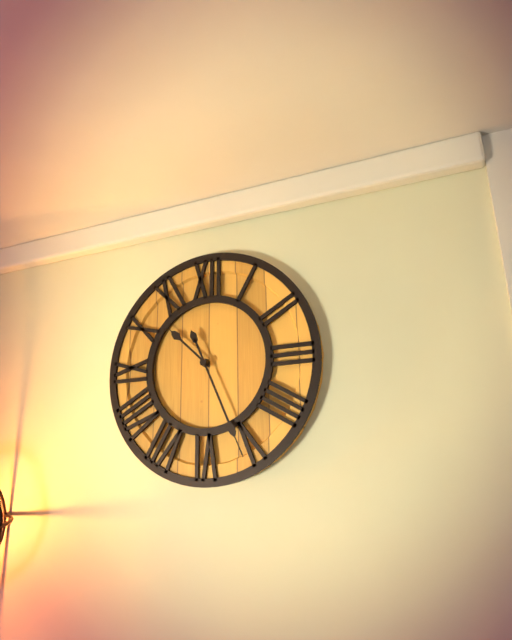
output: 10.26
